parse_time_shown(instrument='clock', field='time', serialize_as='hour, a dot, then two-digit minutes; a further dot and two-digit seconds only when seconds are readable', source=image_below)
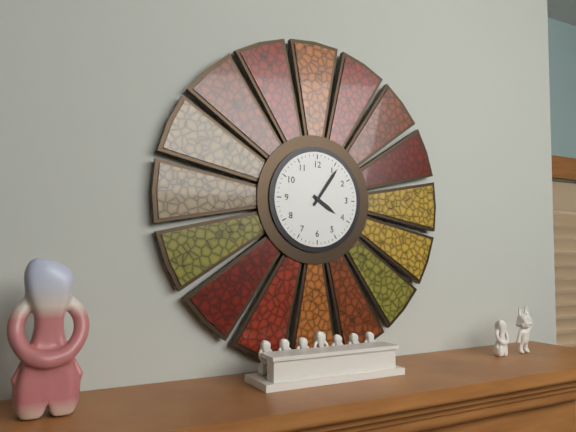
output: 4.06
